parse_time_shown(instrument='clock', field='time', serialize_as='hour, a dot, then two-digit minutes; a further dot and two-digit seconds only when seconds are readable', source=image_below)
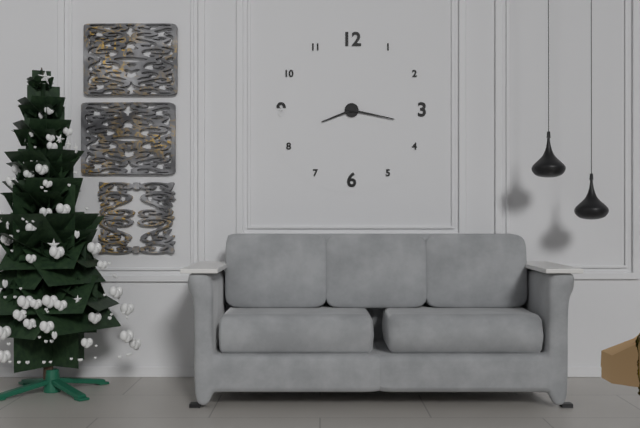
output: 8.17
